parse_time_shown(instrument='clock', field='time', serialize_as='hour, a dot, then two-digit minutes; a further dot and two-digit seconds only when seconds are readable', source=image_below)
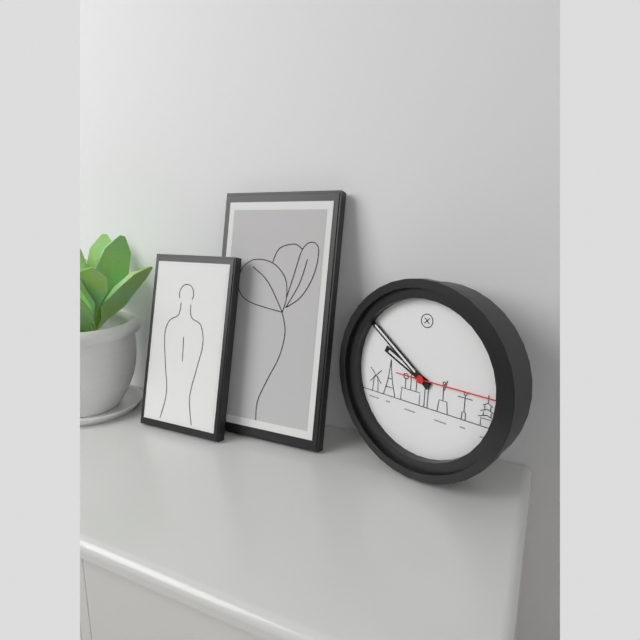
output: 9.51.15
